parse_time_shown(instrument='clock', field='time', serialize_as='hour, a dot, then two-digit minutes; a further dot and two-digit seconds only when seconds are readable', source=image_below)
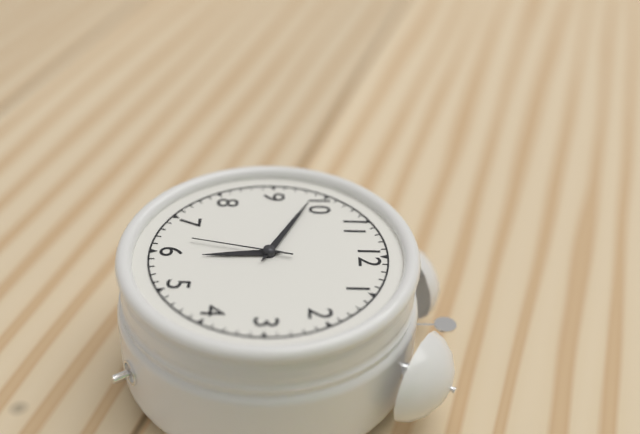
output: 5.49.32
